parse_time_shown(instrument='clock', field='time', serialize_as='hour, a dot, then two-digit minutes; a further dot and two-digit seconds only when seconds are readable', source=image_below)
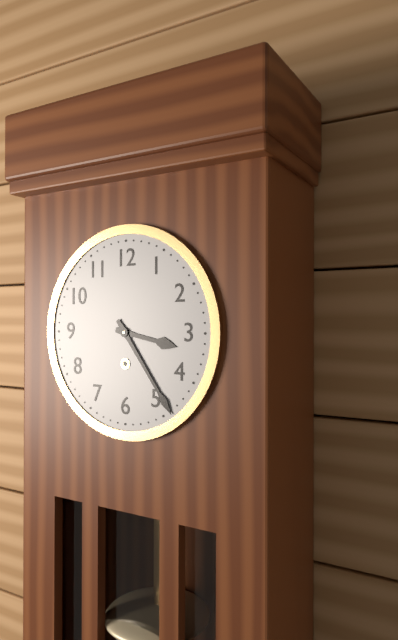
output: 3.24
